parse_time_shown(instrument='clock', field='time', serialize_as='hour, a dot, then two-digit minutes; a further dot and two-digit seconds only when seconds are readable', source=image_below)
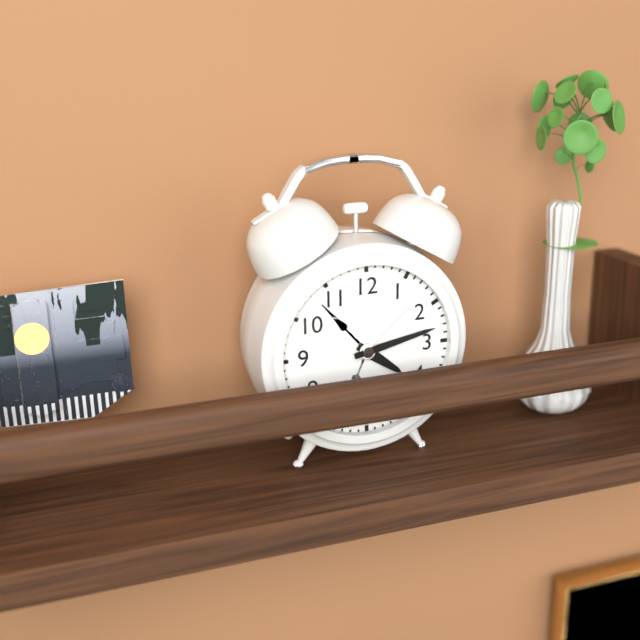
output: 4.13
